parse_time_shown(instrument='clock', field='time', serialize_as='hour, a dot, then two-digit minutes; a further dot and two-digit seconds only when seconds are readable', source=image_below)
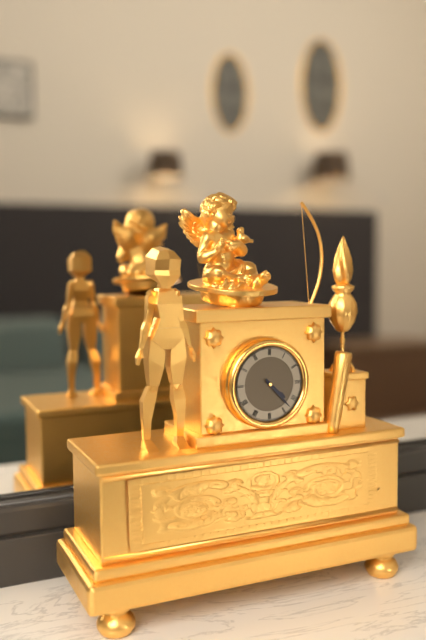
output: 4.23
